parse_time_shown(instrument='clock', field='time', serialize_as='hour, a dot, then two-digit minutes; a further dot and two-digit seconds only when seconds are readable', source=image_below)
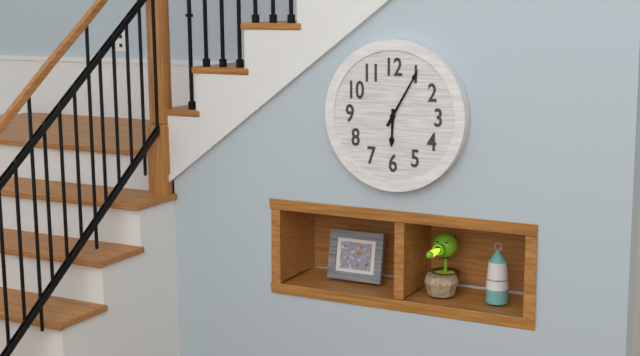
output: 6.05
